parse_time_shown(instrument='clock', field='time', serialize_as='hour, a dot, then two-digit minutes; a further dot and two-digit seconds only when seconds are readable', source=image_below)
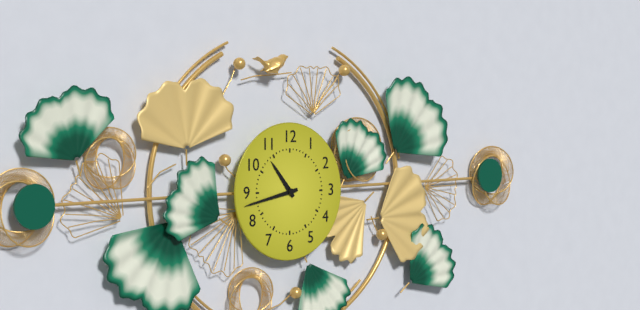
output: 10.43
